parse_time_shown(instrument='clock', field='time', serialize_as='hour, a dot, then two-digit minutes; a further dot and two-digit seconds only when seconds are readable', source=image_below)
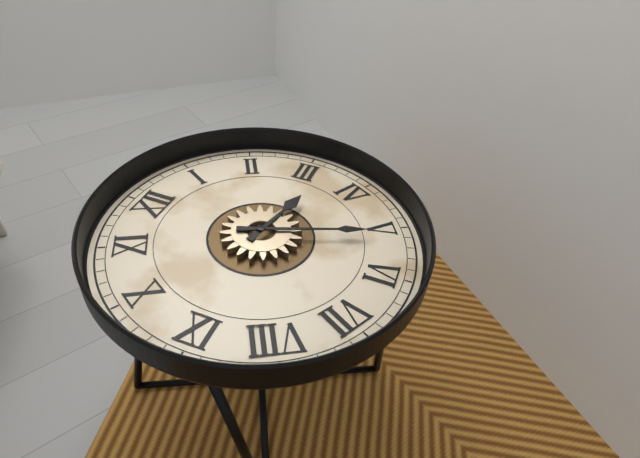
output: 3.26
